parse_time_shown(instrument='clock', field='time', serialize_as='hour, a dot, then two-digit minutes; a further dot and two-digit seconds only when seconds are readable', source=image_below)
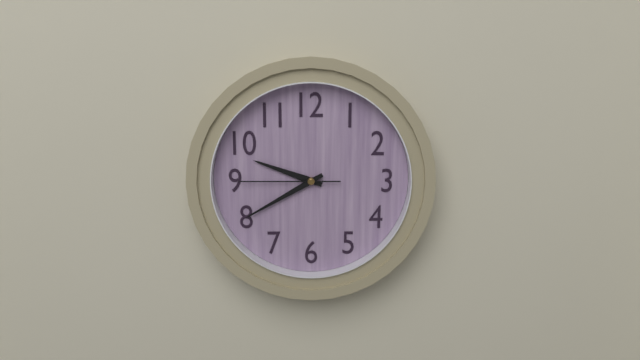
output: 9.40.45
